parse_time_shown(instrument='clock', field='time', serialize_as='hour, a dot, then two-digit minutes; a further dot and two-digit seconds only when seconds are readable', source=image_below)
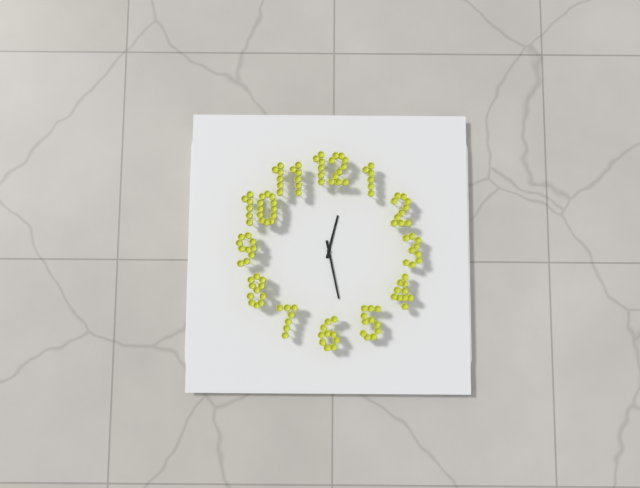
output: 12.28
